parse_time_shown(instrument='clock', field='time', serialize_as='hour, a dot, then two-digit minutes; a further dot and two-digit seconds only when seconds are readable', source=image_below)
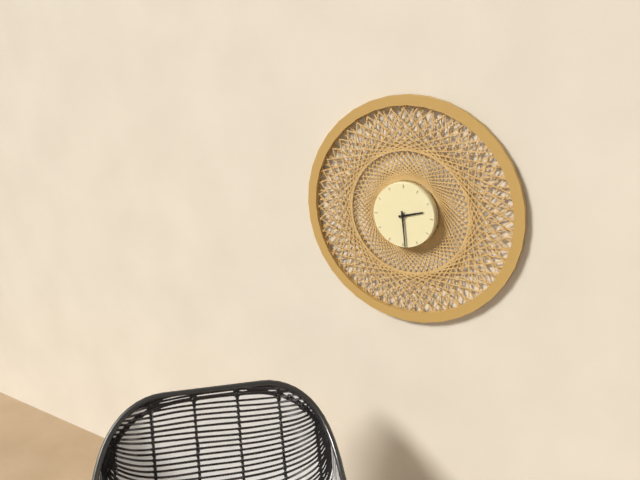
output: 2.29
